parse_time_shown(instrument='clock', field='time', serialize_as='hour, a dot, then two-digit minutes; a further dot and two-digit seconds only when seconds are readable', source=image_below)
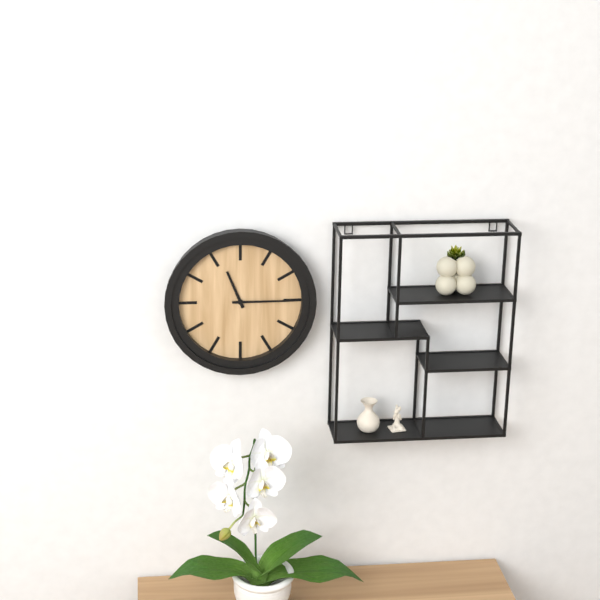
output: 11.15
